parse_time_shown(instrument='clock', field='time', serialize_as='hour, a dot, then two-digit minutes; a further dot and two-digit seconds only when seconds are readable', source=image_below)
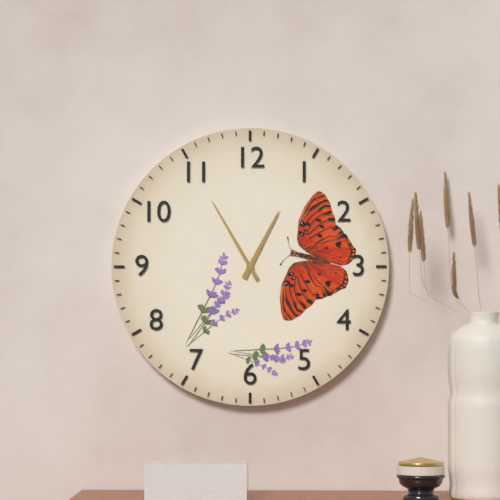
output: 12.55
